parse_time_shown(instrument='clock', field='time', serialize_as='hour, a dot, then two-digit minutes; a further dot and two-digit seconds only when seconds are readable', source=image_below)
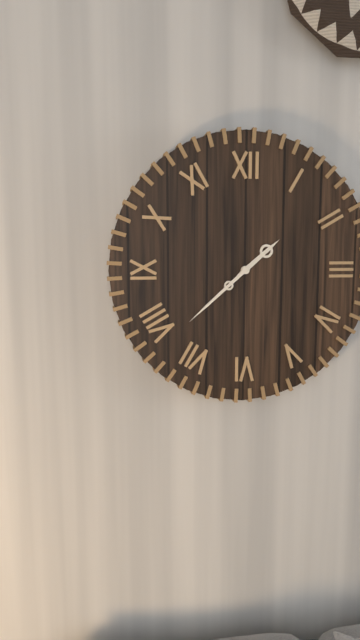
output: 1.38
